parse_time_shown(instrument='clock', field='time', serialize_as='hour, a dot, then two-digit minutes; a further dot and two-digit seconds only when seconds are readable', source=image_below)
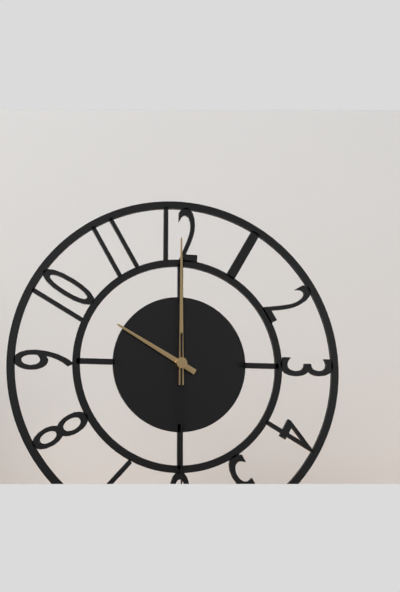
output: 10.00.30
